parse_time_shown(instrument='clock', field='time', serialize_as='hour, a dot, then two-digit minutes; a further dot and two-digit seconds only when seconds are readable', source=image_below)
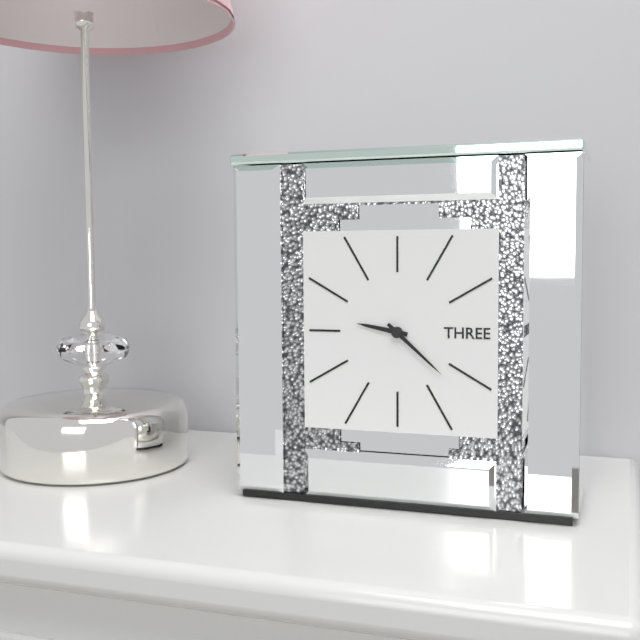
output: 9.22
